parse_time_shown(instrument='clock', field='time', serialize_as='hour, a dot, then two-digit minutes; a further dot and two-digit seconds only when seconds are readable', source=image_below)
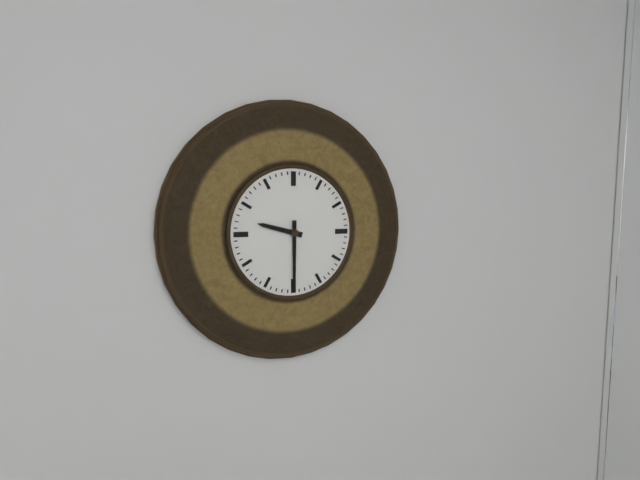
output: 9.30
